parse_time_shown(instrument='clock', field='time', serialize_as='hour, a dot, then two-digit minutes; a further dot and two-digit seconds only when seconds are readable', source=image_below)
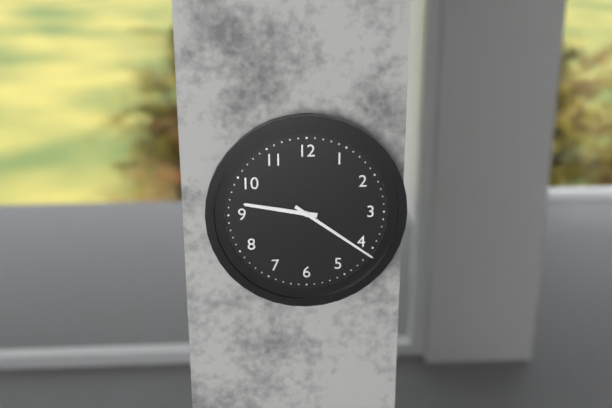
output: 9.21
